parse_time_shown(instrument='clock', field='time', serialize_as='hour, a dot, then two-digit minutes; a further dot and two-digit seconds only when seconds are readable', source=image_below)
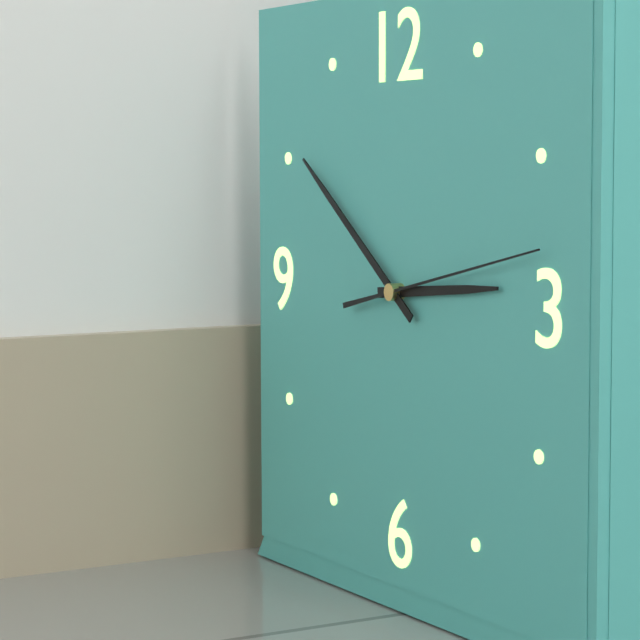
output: 2.51.13
